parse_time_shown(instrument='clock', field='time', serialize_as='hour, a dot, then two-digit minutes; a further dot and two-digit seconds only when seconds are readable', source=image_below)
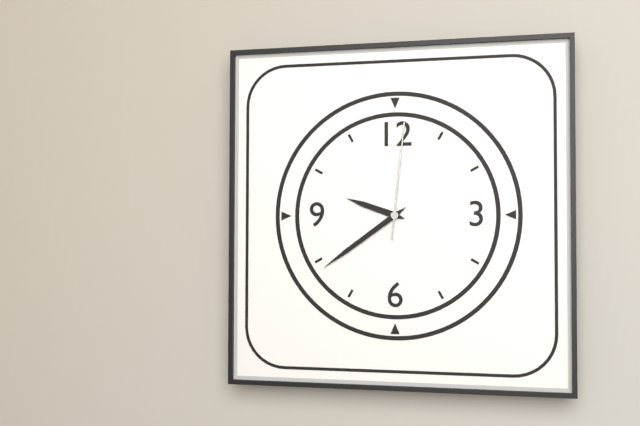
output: 9.39.01
